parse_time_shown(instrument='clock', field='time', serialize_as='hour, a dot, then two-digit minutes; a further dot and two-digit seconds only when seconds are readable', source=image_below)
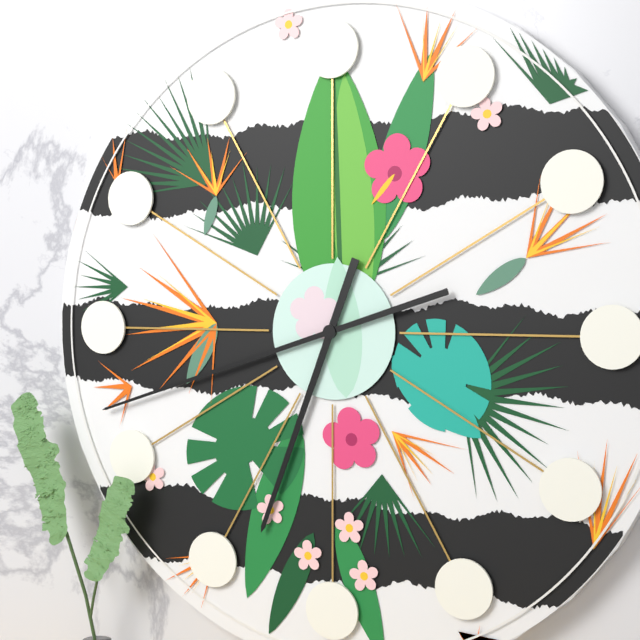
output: 6.42
